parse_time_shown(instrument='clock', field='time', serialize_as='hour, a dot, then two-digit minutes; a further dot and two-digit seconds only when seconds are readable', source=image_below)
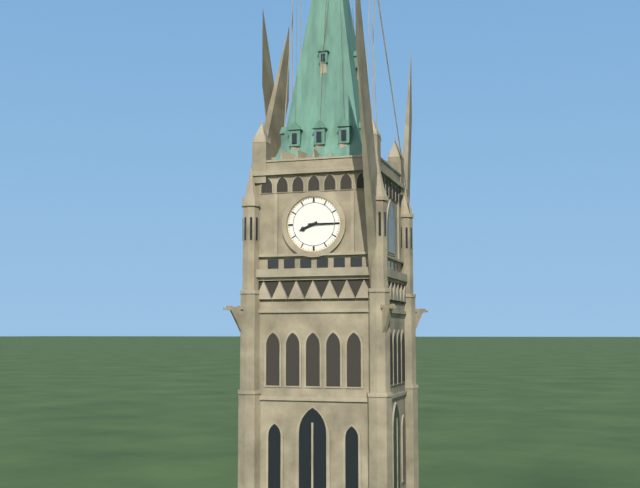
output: 8.15
